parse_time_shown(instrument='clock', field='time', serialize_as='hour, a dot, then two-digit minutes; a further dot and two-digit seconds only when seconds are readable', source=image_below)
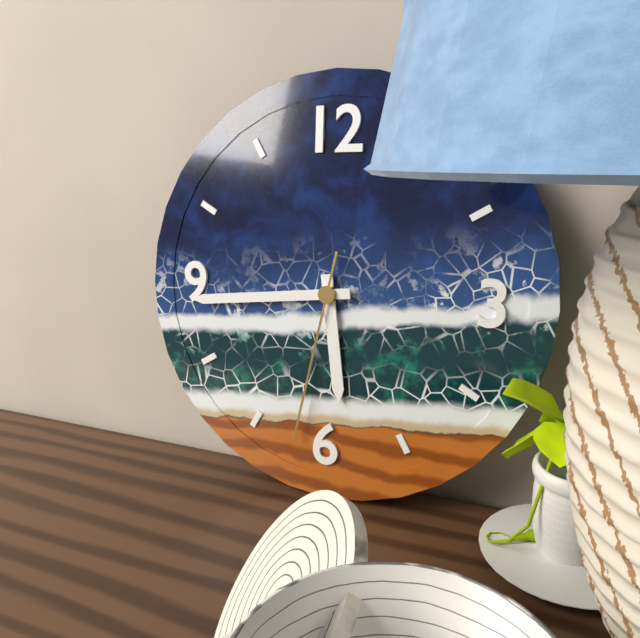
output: 5.44.32
